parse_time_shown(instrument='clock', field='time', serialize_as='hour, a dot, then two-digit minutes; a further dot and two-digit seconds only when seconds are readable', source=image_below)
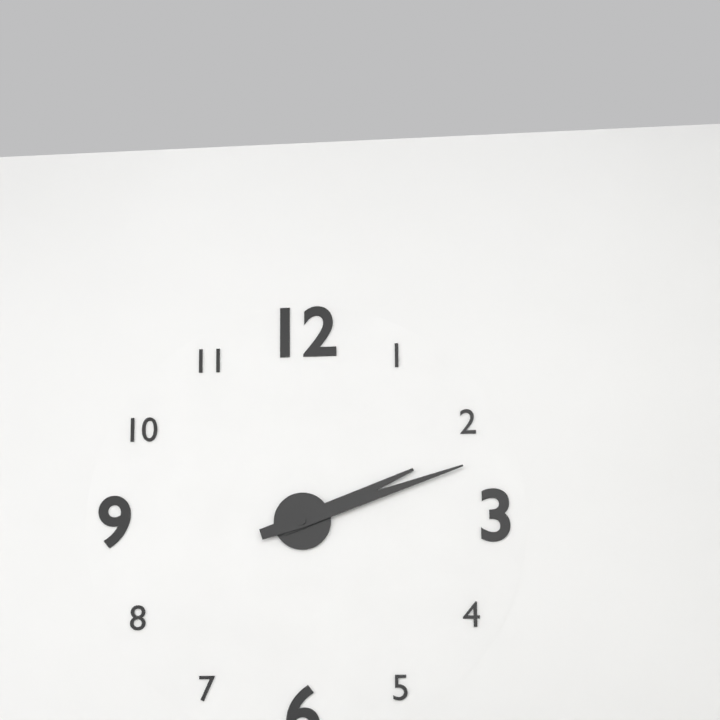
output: 2.12
